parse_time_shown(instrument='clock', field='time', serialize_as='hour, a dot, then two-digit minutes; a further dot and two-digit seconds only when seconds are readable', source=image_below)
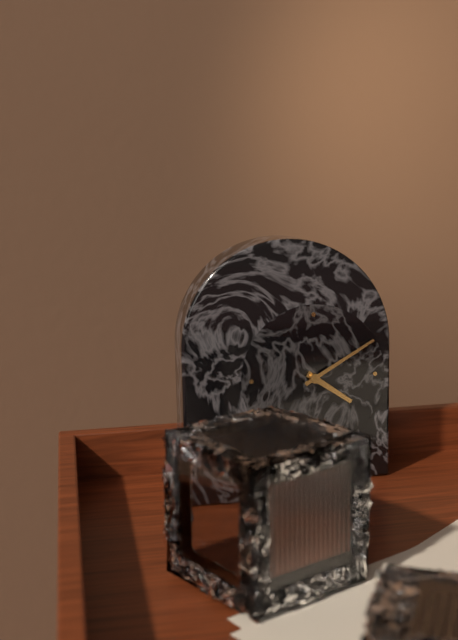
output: 4.10
